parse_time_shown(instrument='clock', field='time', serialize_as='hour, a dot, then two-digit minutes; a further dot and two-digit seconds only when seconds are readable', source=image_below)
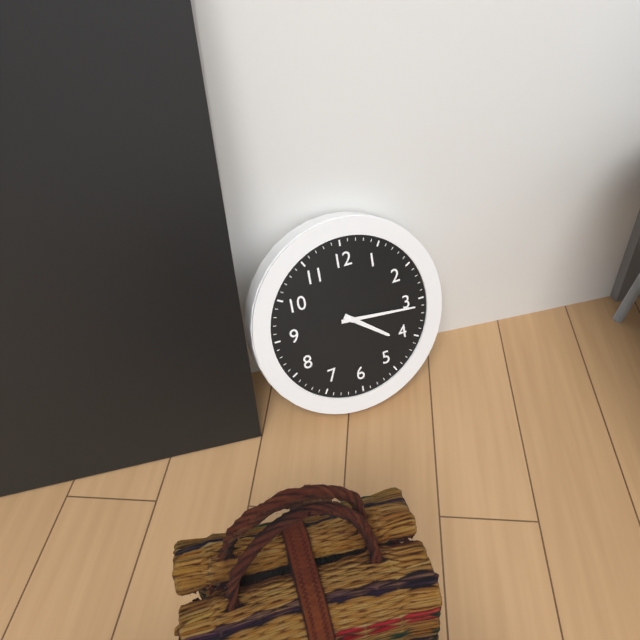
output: 4.16
